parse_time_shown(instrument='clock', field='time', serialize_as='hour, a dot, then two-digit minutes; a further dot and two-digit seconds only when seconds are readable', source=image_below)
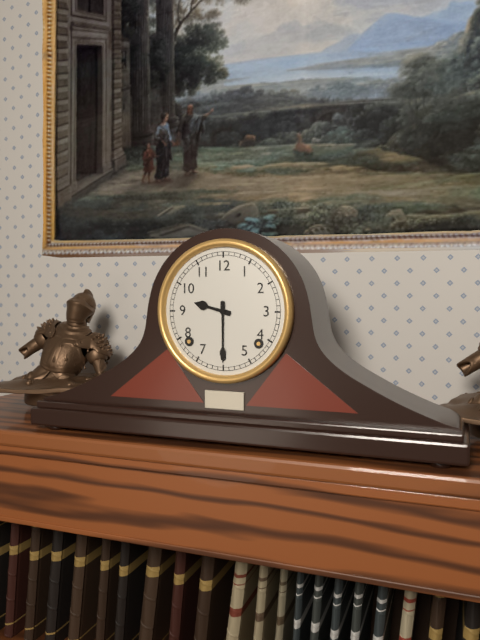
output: 9.30
